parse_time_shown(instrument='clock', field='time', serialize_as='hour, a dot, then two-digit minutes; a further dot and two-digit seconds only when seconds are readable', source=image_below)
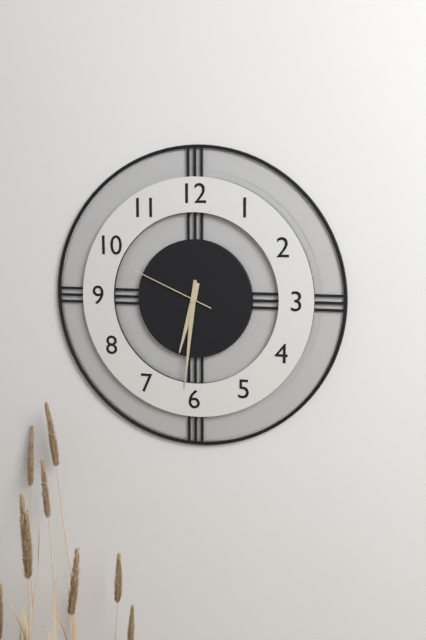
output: 6.31.49
